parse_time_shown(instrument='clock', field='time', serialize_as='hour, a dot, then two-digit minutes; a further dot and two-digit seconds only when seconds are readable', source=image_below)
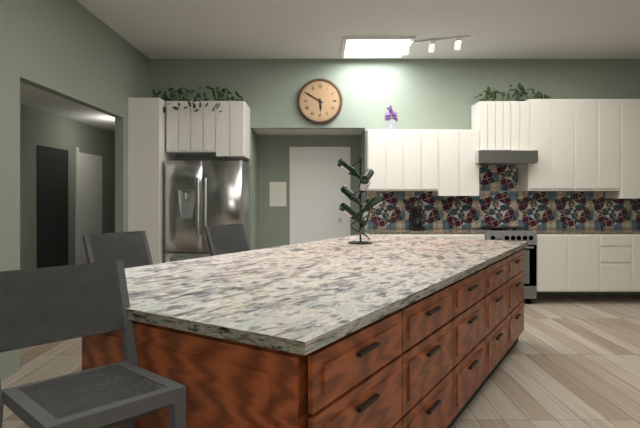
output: 5.50
